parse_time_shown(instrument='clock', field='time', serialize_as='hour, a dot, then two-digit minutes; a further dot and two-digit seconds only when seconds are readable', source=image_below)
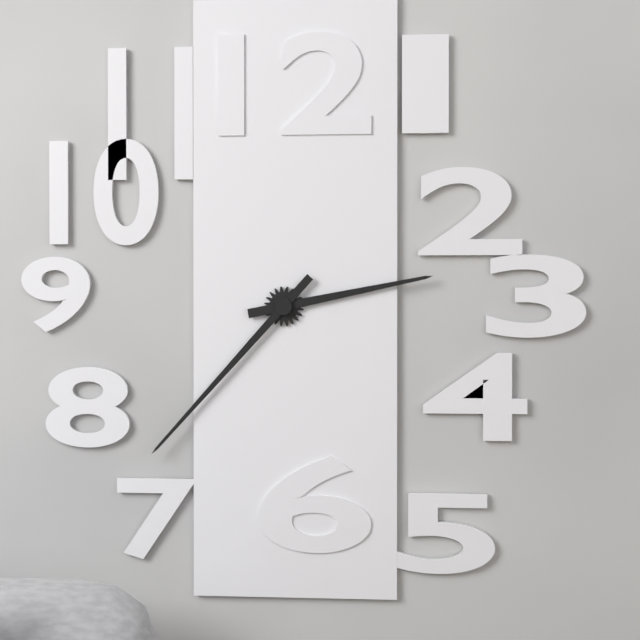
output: 2.37
